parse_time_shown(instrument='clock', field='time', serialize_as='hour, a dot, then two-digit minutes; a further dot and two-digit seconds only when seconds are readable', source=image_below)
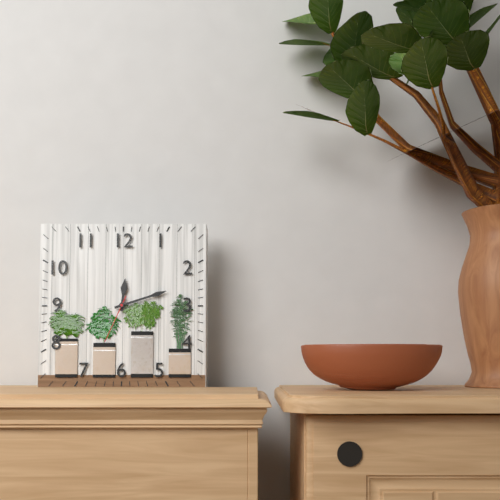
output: 12.12.34
